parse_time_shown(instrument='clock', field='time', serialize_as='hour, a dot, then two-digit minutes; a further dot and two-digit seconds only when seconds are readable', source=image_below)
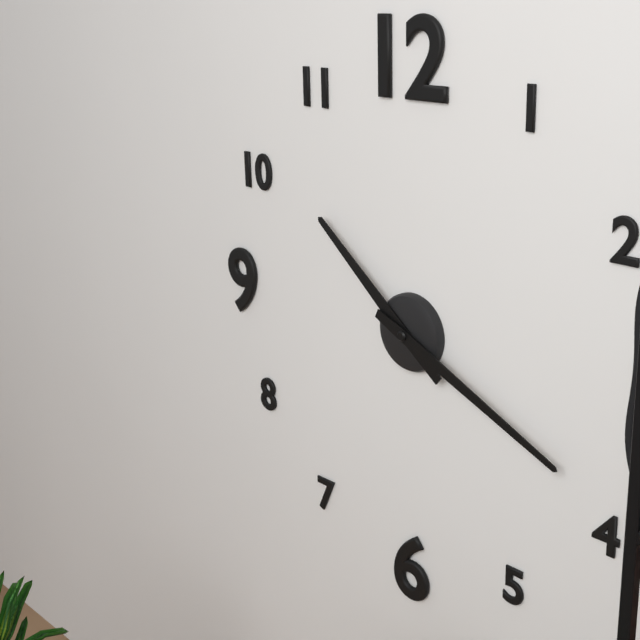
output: 10.19
